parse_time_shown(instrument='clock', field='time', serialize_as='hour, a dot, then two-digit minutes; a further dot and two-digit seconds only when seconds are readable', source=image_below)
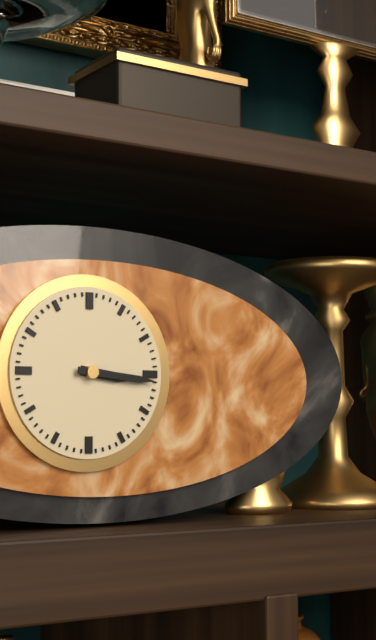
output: 3.16
